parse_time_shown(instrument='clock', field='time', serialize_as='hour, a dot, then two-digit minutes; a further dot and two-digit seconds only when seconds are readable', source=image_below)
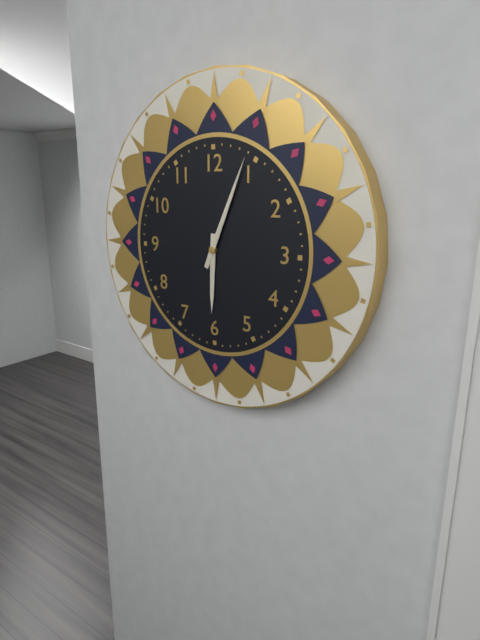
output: 6.04
